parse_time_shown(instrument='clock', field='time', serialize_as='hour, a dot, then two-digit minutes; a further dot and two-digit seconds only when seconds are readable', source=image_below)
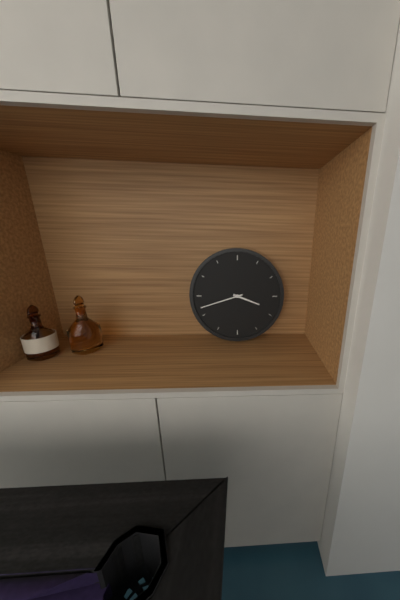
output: 3.42
